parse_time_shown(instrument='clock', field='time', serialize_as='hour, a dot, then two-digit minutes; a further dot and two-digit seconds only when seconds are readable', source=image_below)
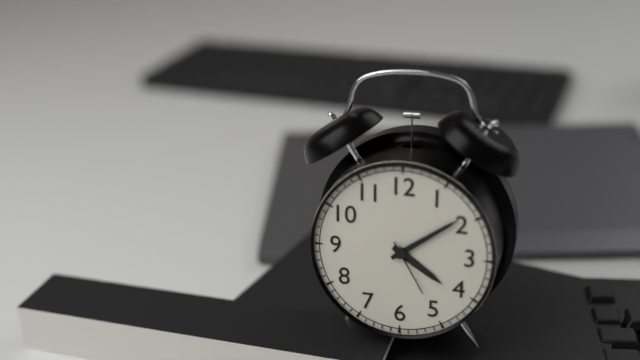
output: 4.09.25
